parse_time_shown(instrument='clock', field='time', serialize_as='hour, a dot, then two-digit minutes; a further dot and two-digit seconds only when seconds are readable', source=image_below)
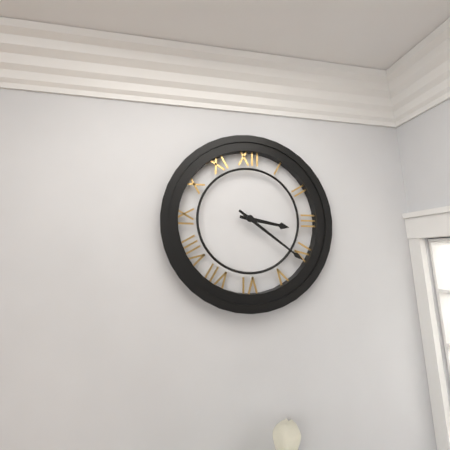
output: 3.21
